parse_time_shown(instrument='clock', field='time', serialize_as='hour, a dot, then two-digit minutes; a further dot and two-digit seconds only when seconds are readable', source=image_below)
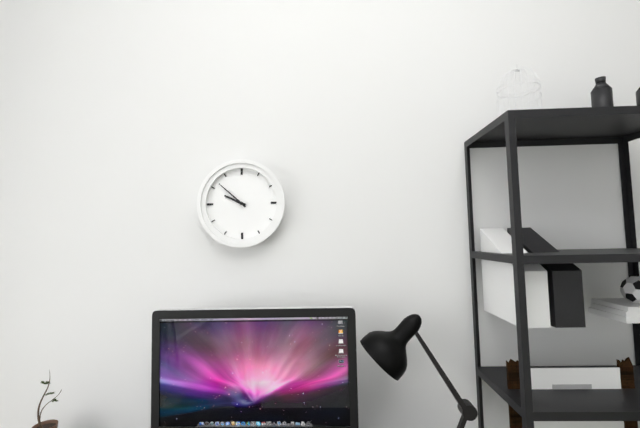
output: 9.52
